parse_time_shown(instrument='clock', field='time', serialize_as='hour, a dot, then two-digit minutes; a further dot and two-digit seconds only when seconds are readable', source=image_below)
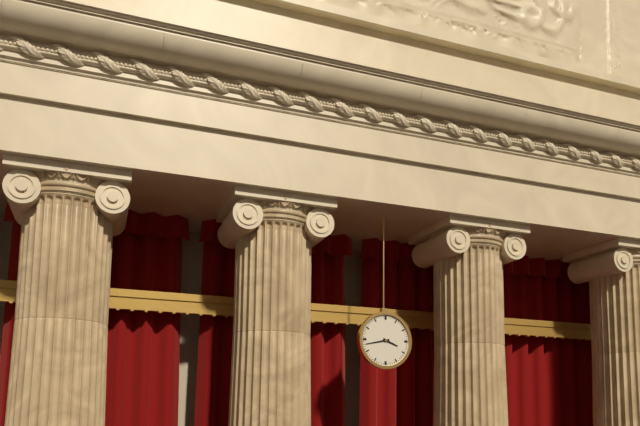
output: 3.43
